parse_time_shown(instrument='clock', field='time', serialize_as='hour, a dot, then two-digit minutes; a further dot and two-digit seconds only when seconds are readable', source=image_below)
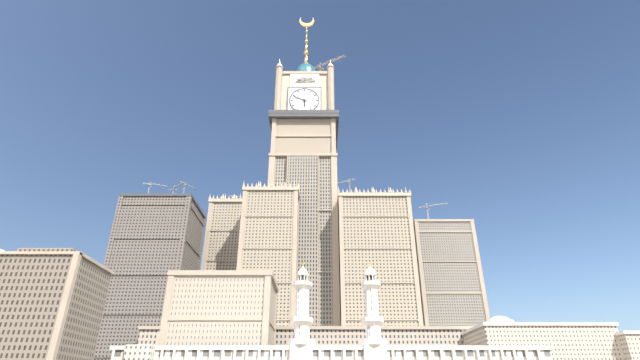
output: 5.49
